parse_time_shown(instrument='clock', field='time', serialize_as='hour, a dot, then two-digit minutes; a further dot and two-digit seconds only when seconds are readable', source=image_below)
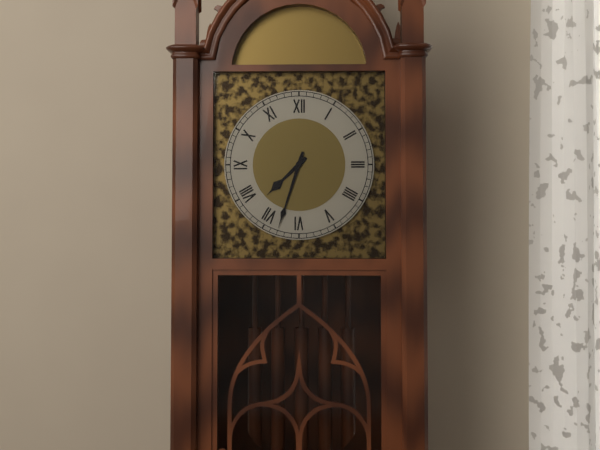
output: 7.33
